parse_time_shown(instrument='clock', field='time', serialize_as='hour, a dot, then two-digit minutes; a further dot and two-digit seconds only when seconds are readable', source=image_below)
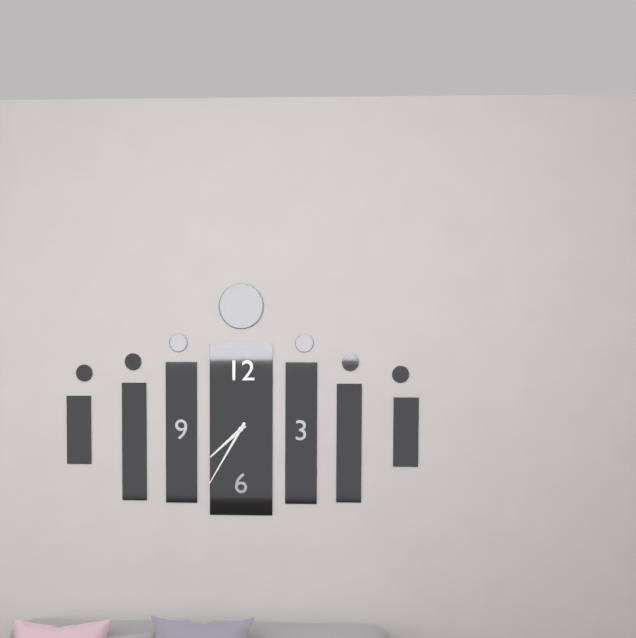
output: 7.35
